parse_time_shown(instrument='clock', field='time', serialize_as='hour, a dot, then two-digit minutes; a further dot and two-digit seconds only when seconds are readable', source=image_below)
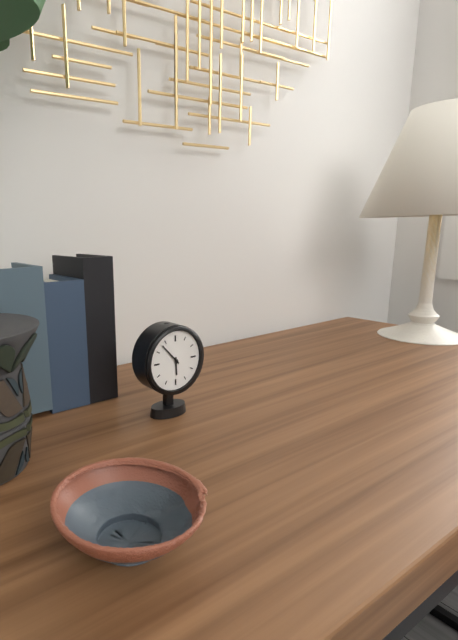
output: 5.53
